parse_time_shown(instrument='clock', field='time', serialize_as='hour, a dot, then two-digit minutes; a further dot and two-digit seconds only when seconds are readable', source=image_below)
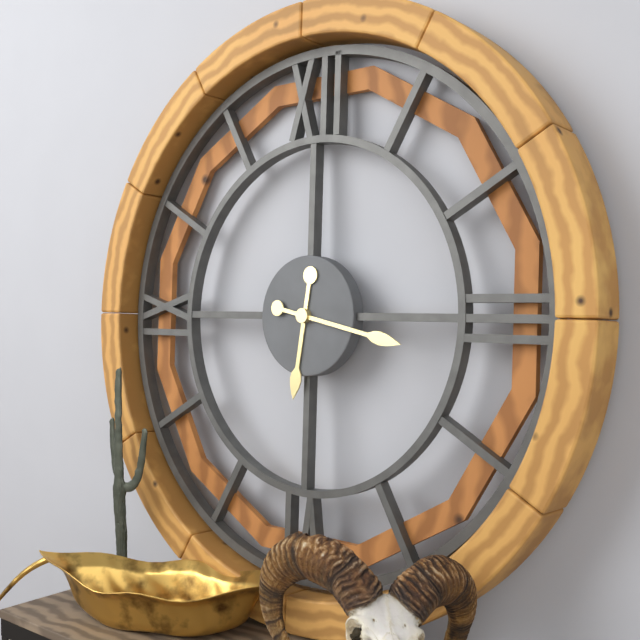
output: 6.17
